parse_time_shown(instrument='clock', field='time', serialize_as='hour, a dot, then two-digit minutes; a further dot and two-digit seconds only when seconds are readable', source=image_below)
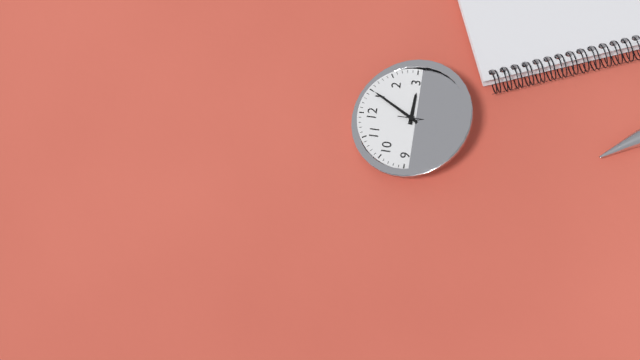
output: 3.05
